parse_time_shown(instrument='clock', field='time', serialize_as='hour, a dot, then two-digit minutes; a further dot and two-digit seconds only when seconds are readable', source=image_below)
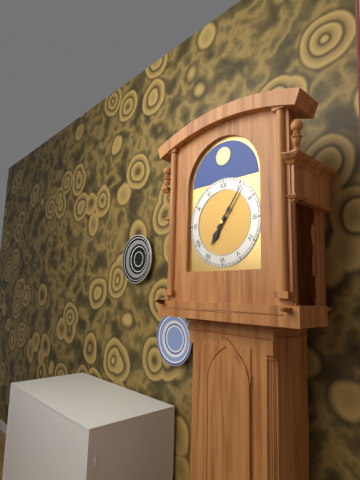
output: 7.06
